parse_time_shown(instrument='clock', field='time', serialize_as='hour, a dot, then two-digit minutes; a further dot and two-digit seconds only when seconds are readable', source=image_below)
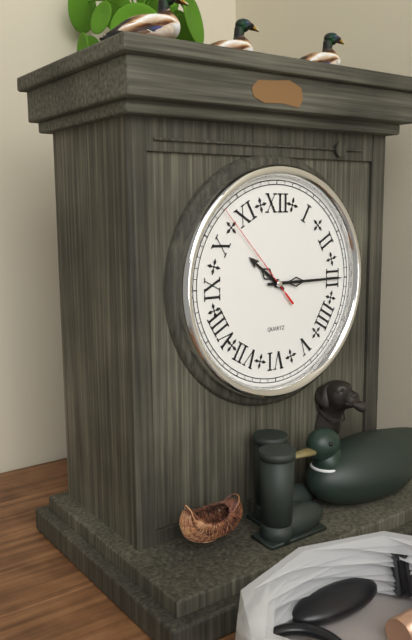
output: 10.15.53
